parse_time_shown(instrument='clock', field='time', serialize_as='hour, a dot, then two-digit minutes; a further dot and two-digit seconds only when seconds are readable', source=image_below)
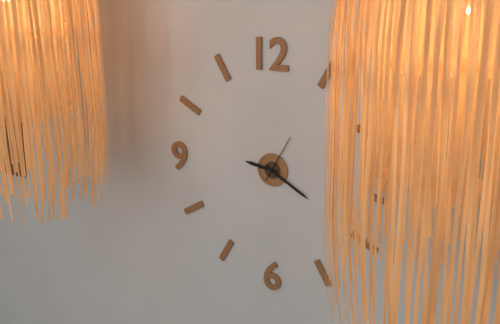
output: 9.20
